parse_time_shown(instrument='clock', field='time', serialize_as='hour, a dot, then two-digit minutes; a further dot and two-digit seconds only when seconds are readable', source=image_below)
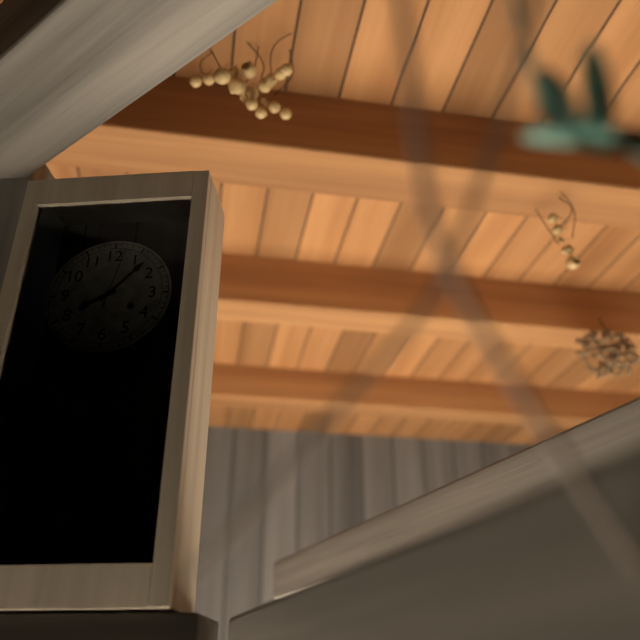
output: 8.07.02
